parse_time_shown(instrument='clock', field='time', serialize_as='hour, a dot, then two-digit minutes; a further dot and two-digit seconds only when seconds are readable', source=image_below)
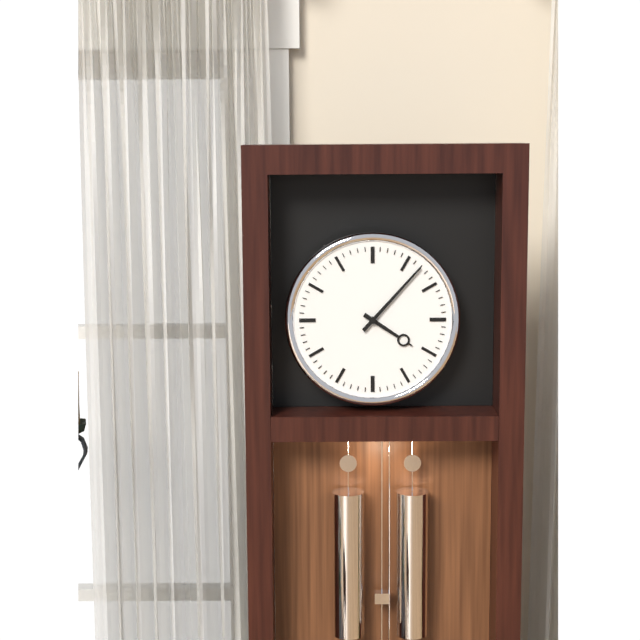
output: 4.07
